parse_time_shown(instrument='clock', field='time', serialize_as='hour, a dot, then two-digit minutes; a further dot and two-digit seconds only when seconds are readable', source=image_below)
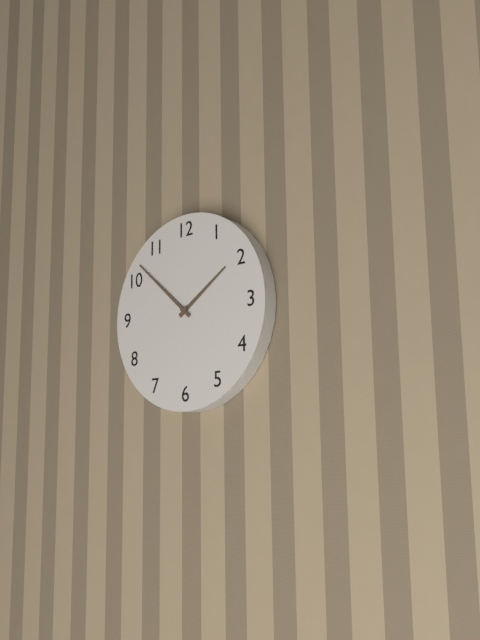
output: 1.52
